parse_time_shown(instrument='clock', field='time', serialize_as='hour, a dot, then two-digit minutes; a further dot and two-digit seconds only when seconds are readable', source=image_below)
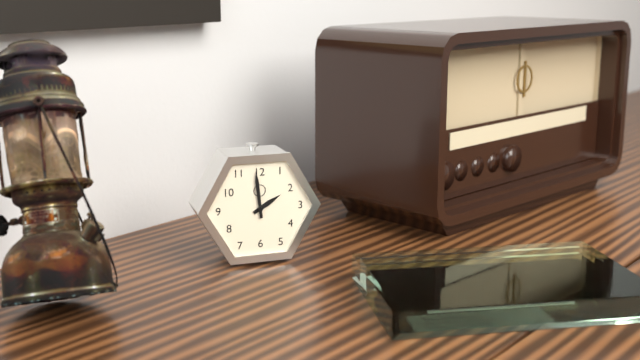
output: 1.59
